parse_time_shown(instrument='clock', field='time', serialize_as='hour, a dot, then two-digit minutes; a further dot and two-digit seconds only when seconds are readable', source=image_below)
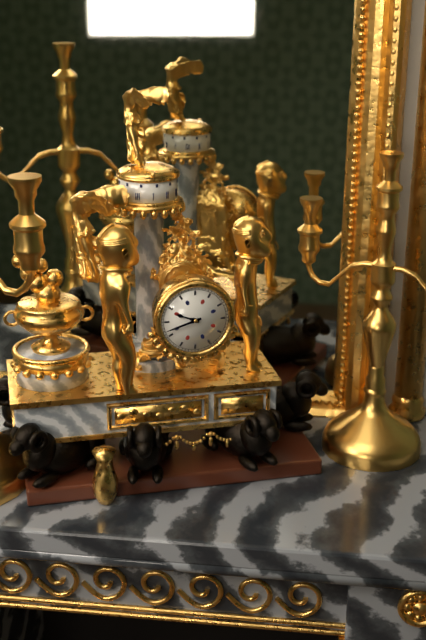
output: 9.42
